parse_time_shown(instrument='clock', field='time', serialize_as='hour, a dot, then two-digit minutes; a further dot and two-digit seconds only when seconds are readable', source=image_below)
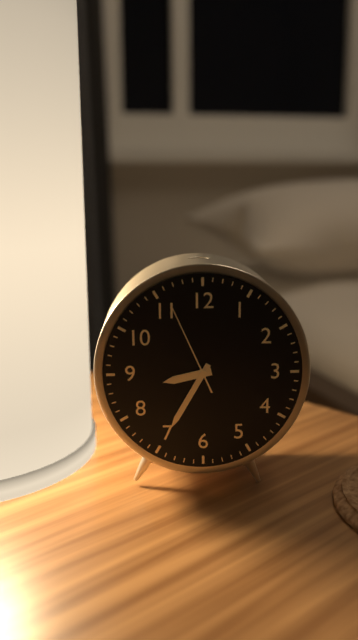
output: 8.35.56
